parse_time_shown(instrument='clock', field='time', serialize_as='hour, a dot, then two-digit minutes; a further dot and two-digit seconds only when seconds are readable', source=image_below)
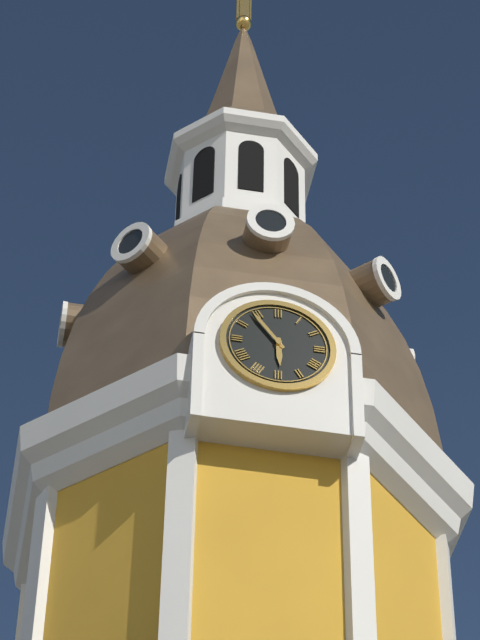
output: 5.54
